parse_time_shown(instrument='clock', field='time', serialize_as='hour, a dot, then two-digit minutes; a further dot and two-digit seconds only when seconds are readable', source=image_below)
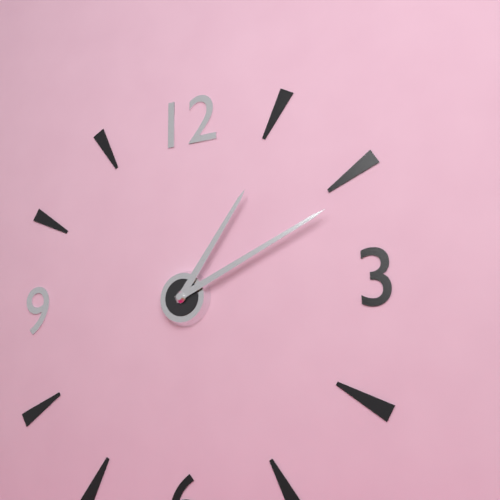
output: 1.11
